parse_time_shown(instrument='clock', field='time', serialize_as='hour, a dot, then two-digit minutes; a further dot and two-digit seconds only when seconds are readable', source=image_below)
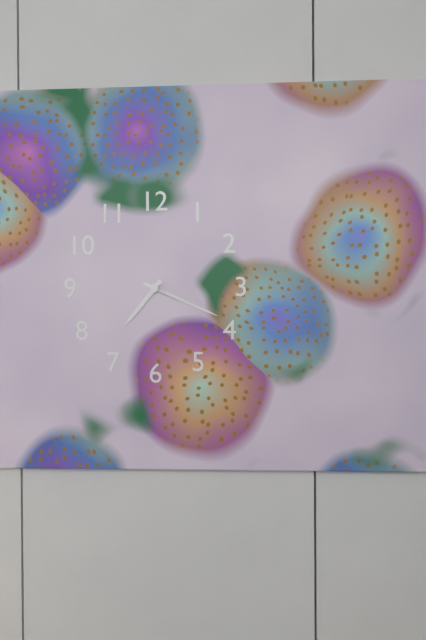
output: 7.19
